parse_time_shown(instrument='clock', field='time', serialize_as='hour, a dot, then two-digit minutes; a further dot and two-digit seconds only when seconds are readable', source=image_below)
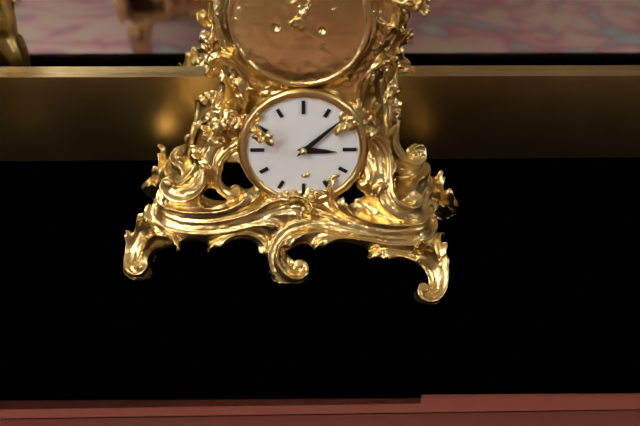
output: 3.08
